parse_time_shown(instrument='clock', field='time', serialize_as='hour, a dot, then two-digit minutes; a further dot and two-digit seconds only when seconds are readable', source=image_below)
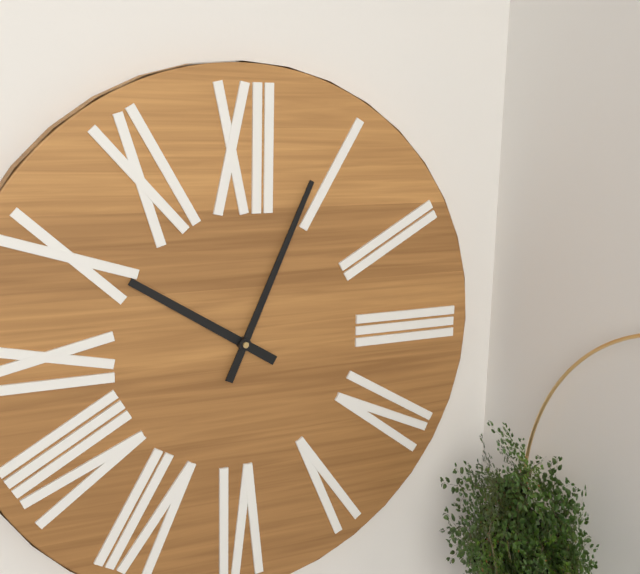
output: 10.04
